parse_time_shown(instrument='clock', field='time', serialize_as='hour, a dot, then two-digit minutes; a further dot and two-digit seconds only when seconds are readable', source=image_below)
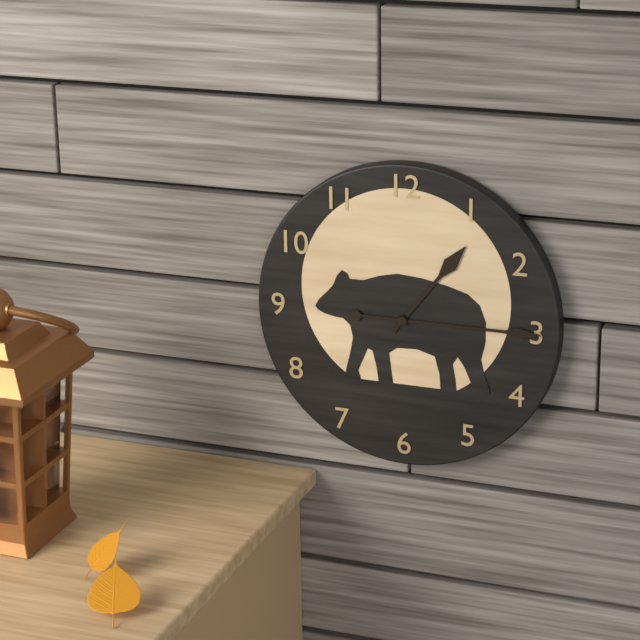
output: 1.15
